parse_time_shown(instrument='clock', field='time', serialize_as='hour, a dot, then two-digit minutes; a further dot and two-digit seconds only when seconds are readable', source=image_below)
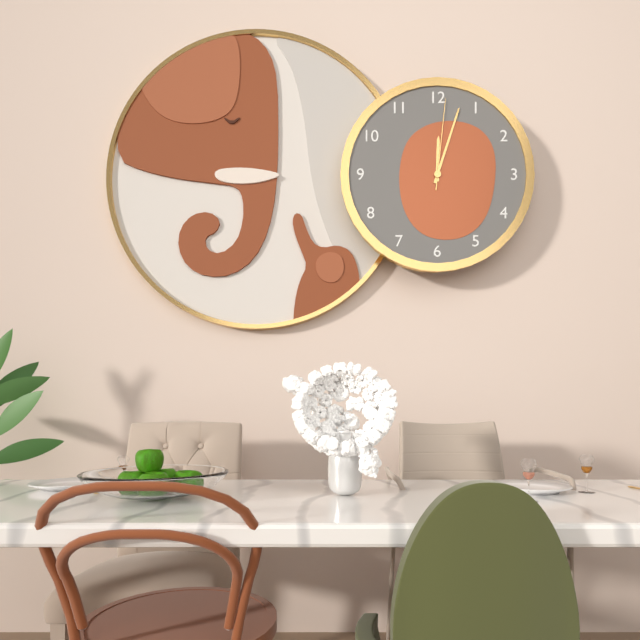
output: 12.03.01
